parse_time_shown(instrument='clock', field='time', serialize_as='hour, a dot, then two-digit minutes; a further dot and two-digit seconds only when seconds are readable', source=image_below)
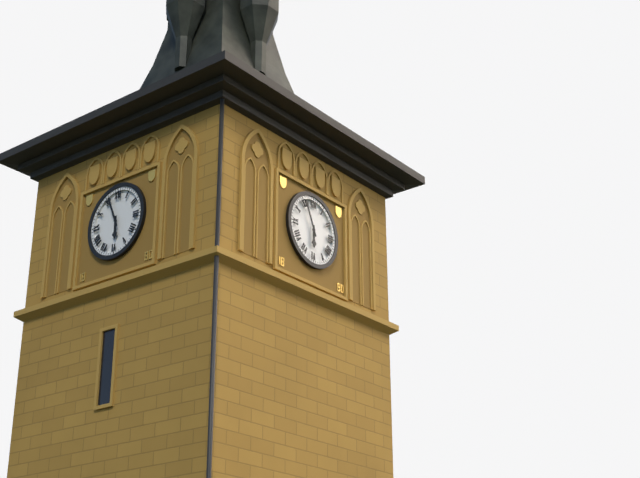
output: 5.56
